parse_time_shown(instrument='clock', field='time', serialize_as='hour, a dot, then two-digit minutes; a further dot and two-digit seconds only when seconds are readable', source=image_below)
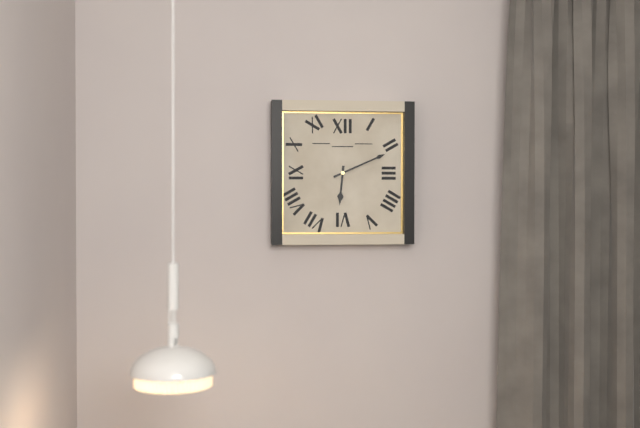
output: 6.11
